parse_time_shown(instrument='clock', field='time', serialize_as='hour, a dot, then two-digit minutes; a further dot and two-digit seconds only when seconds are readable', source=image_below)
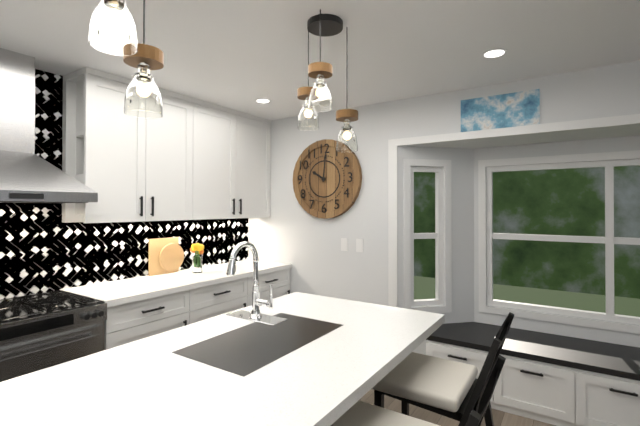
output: 10.01
